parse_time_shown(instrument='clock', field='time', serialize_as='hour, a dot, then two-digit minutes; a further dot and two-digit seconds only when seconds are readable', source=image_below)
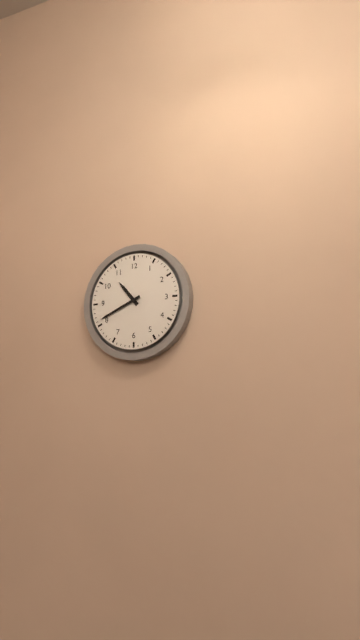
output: 10.41
